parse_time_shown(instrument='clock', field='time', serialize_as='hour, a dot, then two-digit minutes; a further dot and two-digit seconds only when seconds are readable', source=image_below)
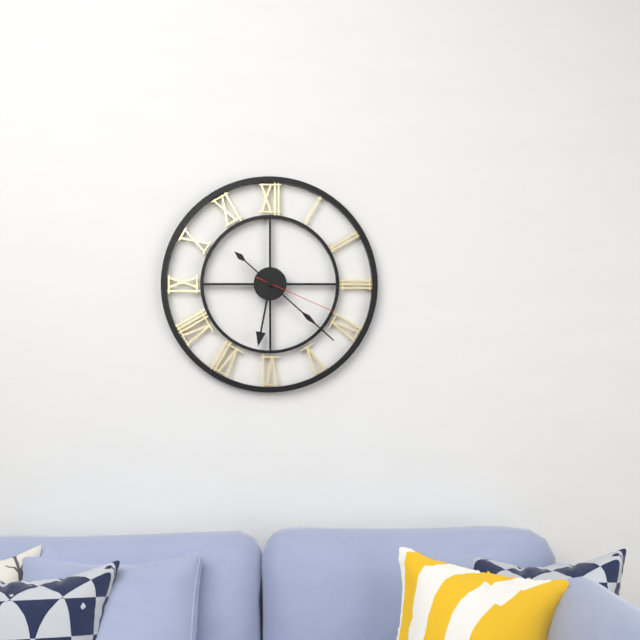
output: 6.22.19
